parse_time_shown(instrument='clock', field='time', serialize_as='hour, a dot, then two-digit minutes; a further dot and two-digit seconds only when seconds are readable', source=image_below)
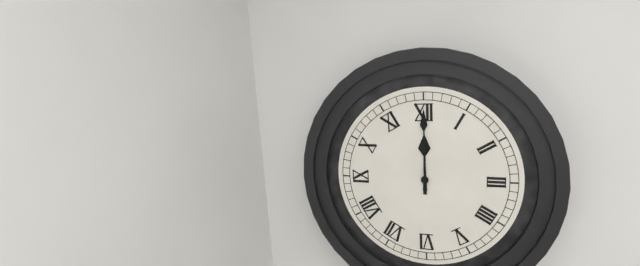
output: 12.00
